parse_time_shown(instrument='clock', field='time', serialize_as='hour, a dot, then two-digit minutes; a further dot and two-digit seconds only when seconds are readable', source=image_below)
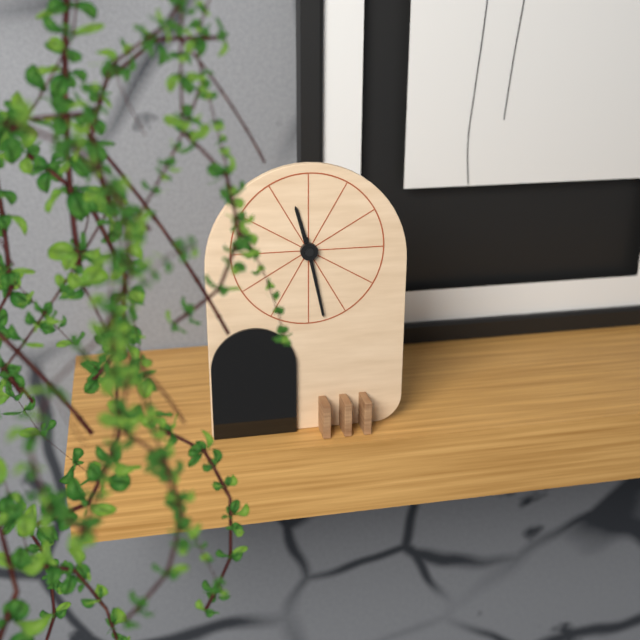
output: 11.28
